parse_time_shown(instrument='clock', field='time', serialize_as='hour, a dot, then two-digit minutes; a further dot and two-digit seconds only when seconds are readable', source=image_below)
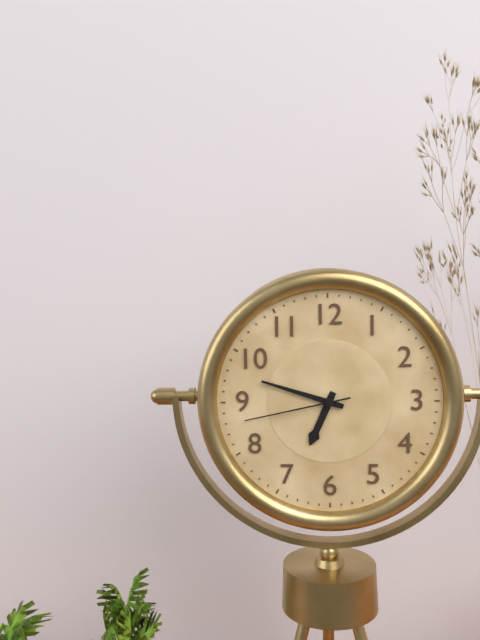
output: 6.48.43
